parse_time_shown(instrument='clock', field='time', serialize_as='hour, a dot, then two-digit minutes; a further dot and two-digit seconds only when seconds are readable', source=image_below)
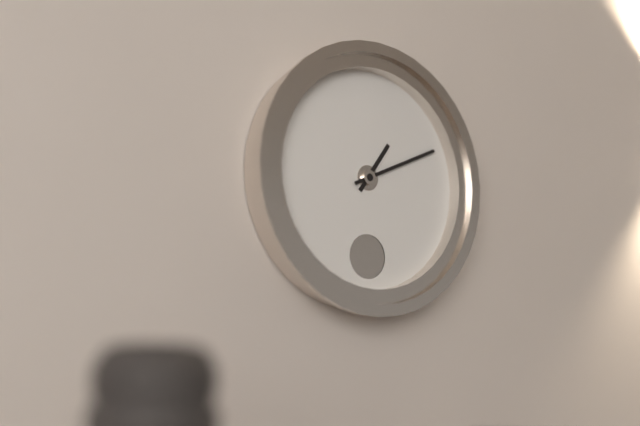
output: 1.11
